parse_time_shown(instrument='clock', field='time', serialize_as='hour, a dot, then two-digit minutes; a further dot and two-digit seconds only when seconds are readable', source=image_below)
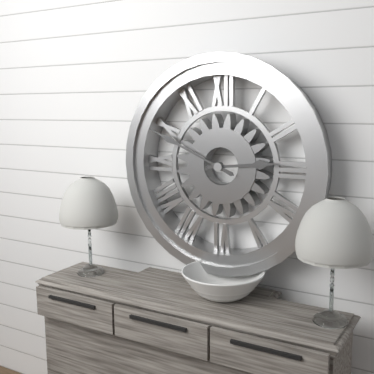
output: 2.49
